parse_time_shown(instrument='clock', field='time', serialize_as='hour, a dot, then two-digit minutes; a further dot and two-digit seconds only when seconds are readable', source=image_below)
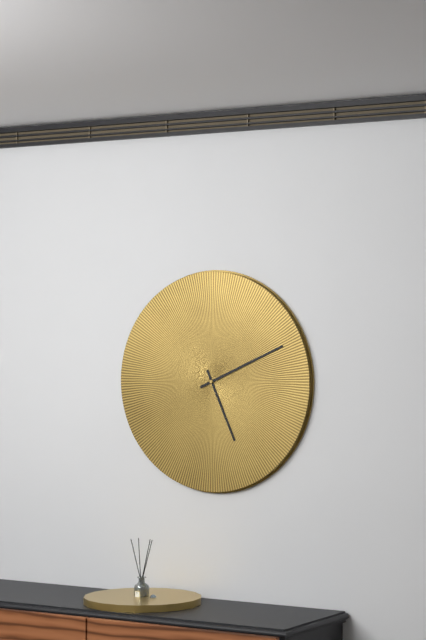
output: 5.11
